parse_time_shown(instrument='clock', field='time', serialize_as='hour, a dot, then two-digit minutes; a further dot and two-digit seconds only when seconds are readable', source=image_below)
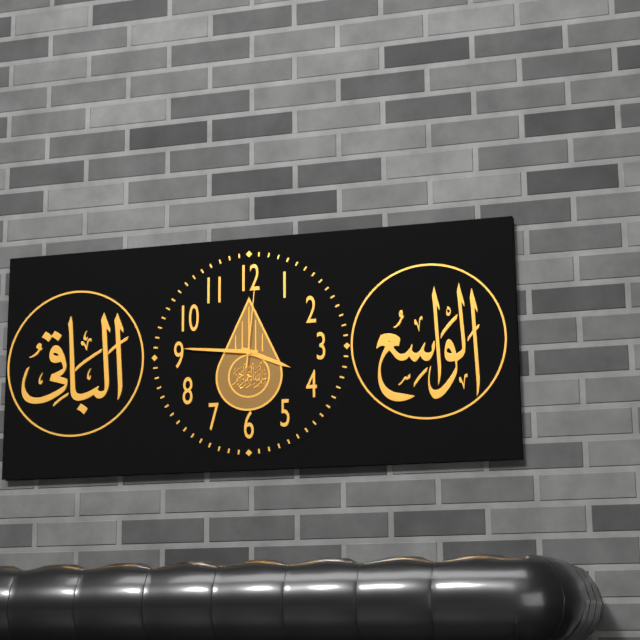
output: 3.46.01
